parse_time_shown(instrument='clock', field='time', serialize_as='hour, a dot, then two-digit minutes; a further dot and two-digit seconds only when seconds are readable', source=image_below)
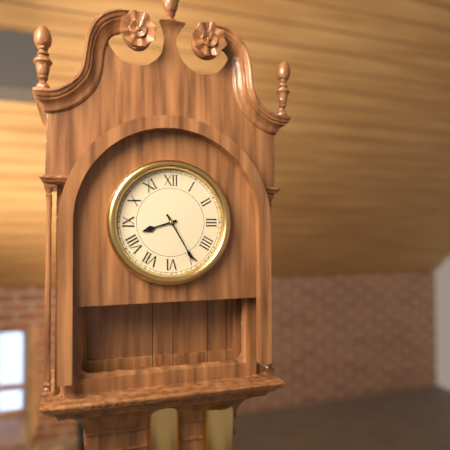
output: 8.25
